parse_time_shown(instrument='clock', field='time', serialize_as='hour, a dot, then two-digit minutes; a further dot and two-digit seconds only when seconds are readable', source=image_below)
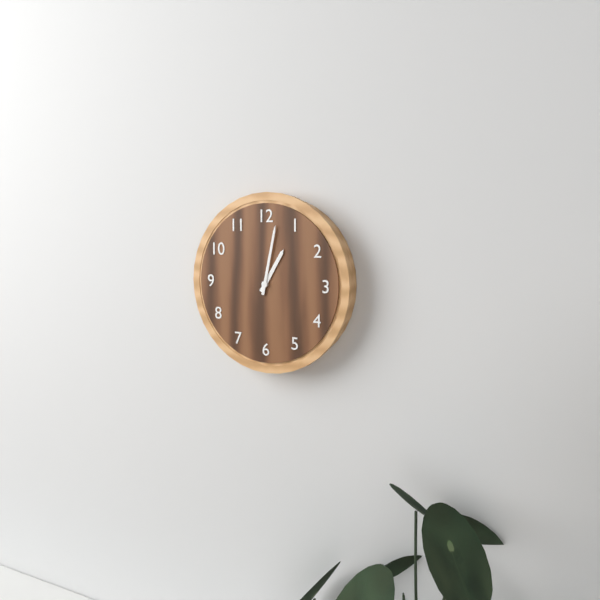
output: 1.02
